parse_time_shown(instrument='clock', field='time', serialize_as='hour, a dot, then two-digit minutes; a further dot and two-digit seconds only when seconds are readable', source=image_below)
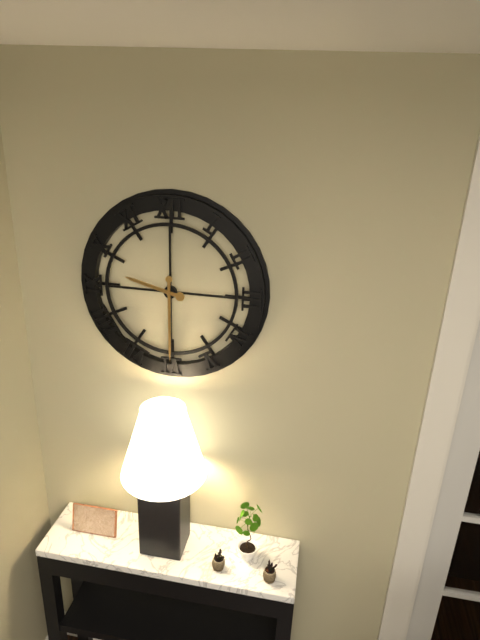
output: 9.30
